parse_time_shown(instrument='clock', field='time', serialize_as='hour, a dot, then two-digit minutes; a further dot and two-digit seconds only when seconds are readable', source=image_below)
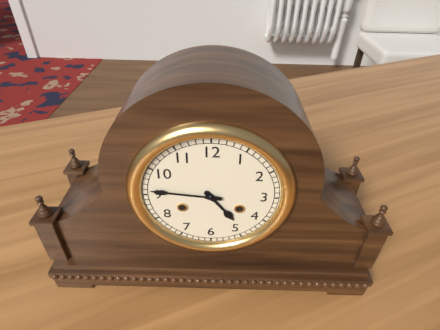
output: 4.46
